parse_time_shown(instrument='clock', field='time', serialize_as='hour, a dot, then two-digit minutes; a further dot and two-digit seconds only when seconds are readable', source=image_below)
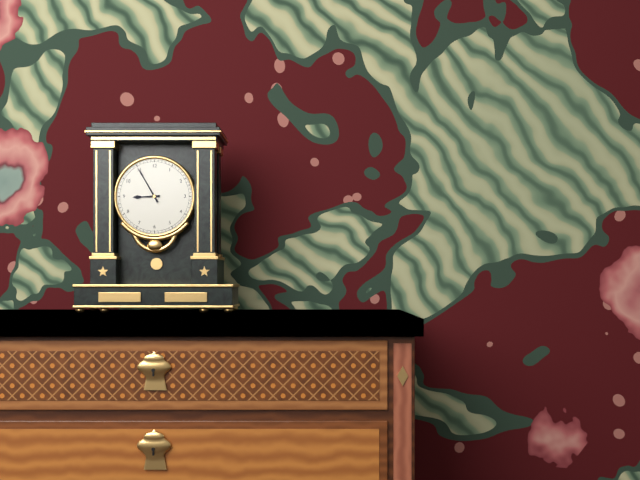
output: 8.55
